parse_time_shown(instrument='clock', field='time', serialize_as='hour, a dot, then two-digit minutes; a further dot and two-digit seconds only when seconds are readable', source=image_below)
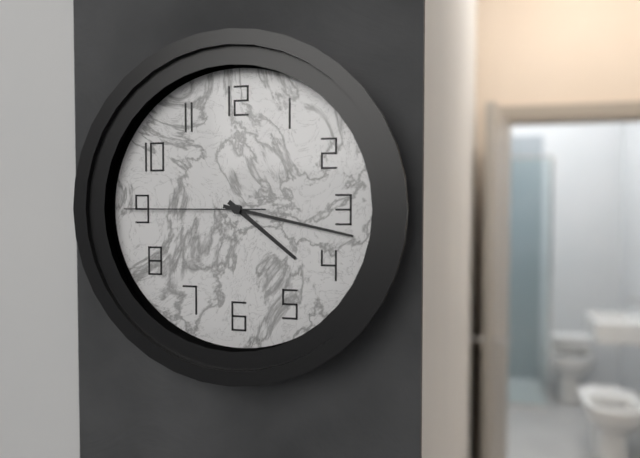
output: 4.17.45
